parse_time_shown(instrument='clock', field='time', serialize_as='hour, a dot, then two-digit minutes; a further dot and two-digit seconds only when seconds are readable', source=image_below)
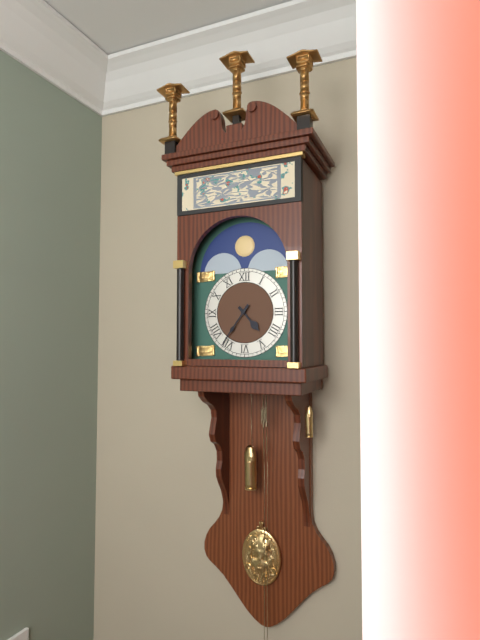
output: 4.36
